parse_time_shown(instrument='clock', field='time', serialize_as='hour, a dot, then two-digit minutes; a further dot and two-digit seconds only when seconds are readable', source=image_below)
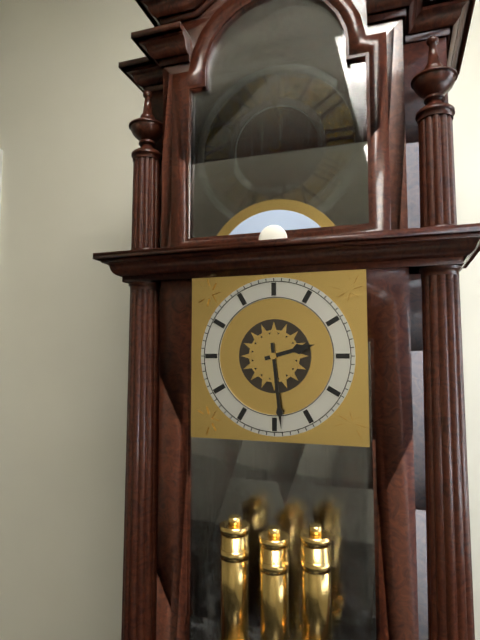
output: 2.29
